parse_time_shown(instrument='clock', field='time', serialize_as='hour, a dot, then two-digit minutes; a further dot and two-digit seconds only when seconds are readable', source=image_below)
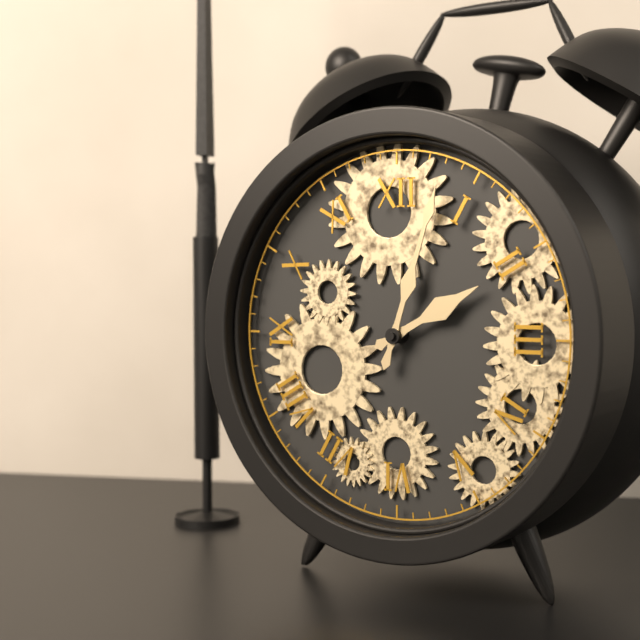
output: 2.03
